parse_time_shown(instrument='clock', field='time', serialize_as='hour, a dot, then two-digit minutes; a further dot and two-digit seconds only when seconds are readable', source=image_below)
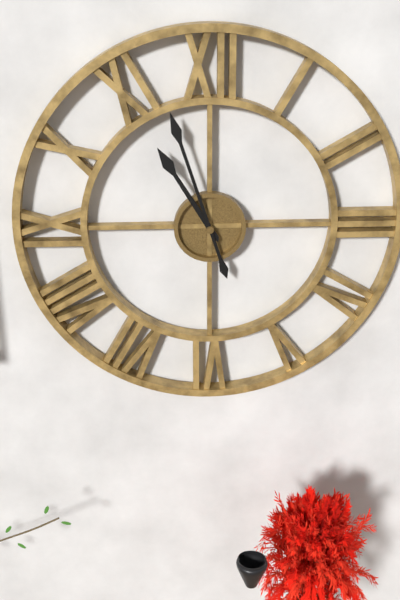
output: 10.57
